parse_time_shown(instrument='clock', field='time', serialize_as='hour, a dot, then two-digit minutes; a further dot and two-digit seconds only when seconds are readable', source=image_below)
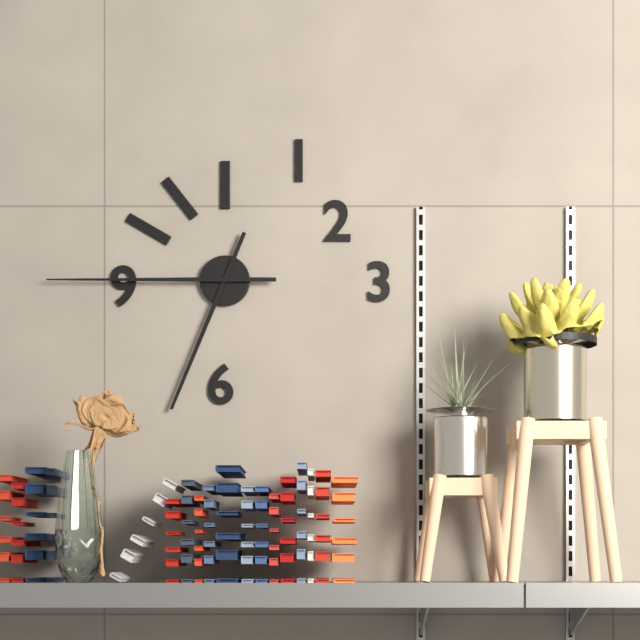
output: 6.45
